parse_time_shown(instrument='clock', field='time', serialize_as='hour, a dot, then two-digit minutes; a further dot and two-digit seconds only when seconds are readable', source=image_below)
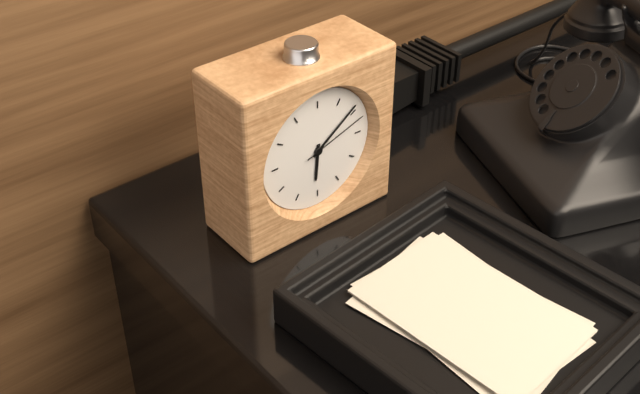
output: 6.09.12
